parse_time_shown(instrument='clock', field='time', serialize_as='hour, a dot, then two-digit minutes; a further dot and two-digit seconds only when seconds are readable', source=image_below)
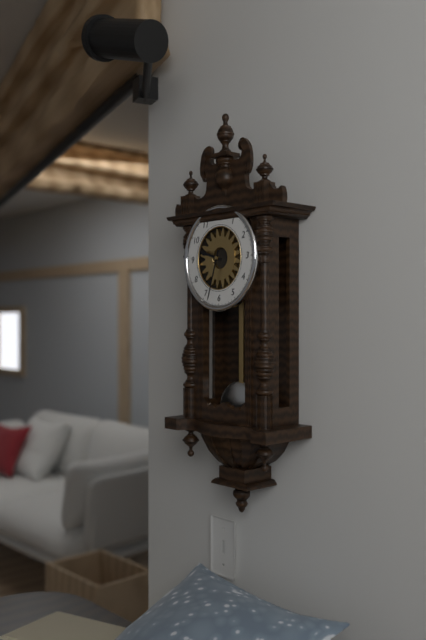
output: 9.33
